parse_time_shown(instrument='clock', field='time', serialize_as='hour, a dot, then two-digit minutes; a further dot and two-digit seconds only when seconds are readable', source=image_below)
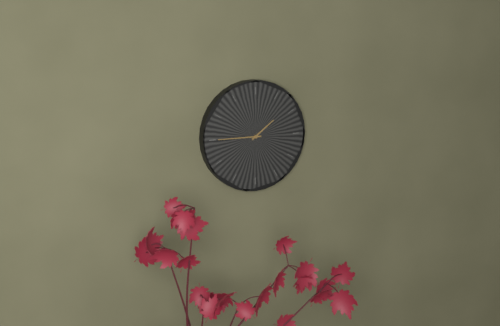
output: 1.45
